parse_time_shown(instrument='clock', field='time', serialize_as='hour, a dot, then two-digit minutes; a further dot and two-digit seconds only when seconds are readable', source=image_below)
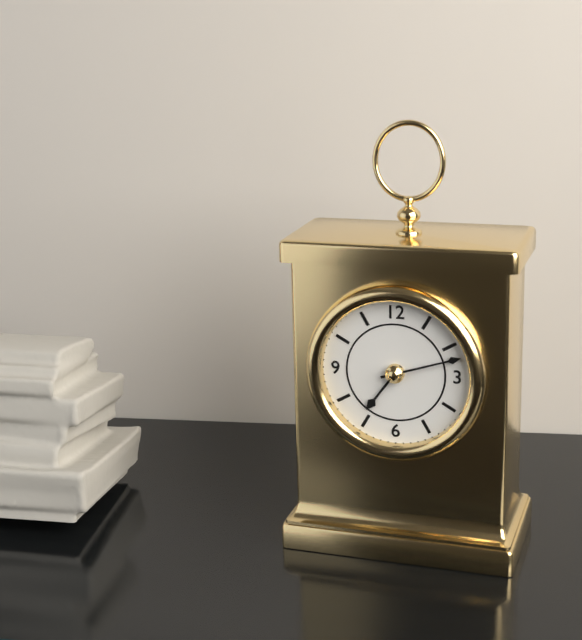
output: 7.12
